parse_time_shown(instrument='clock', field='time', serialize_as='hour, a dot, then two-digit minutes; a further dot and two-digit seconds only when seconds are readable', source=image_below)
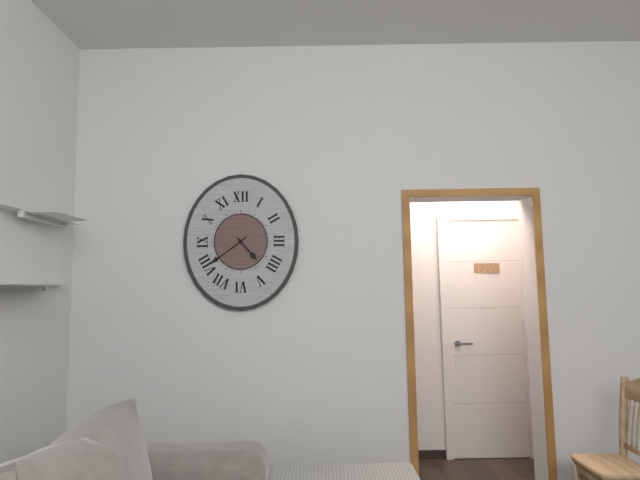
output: 4.39
